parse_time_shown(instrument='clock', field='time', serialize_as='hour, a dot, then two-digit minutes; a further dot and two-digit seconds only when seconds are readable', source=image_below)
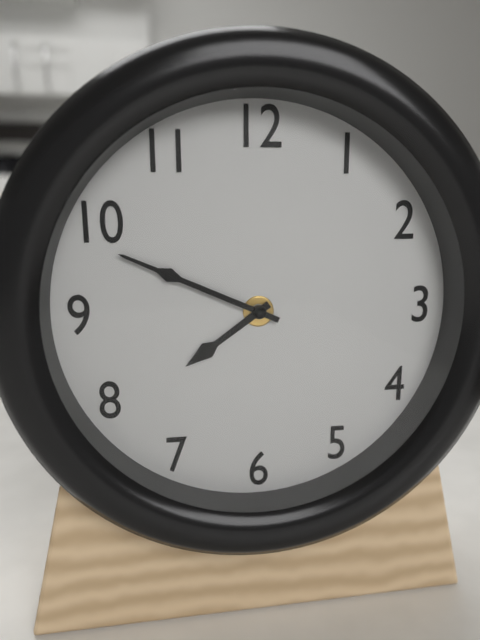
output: 7.49
